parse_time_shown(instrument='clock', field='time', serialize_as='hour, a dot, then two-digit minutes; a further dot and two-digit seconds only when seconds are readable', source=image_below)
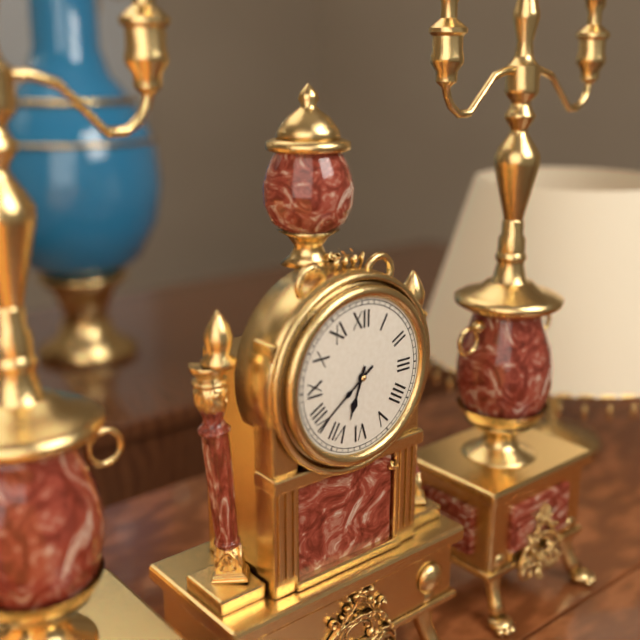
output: 6.39
